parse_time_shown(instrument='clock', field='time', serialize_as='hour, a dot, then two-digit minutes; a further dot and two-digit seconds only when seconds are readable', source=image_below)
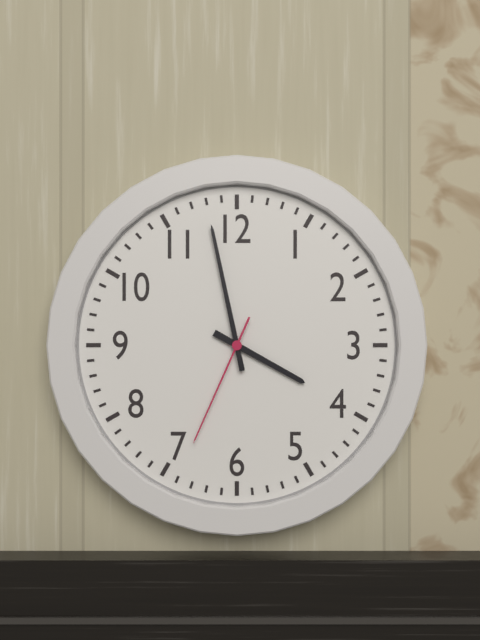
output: 3.58.34
